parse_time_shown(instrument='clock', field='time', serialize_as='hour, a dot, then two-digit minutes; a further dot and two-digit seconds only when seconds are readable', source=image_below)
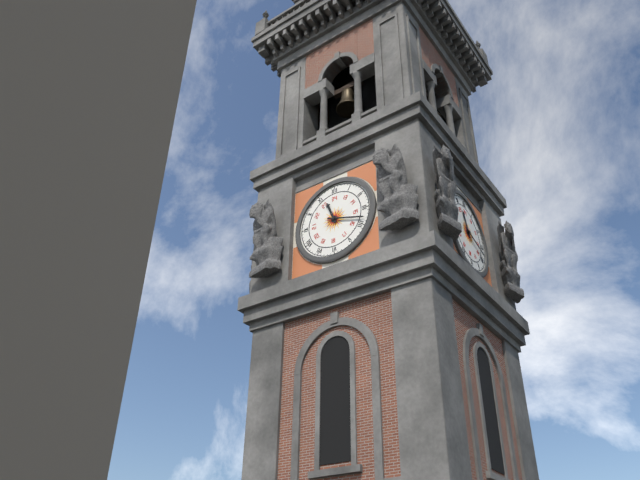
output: 11.18
